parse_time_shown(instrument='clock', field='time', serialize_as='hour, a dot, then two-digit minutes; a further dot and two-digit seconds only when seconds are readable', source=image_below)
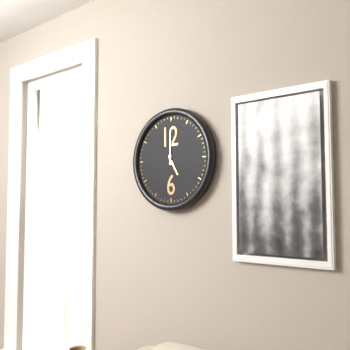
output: 5.00
